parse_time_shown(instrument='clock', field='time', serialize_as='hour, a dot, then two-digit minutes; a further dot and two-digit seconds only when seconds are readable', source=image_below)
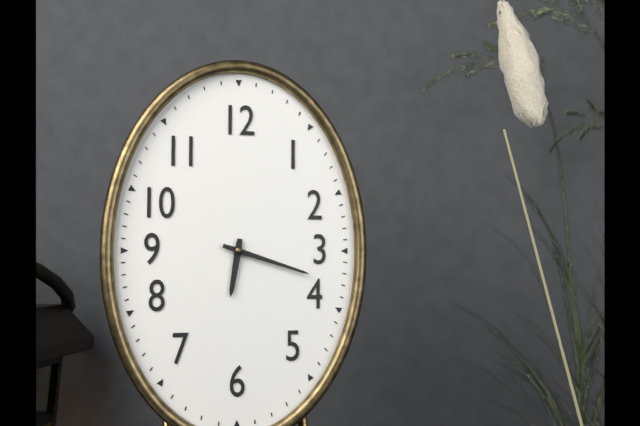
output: 6.18
